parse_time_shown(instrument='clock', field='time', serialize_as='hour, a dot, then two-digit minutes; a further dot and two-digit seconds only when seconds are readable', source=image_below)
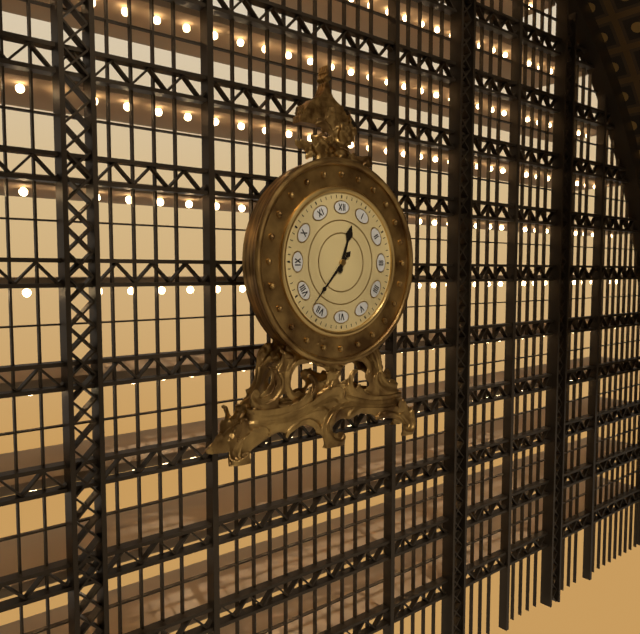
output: 12.37
